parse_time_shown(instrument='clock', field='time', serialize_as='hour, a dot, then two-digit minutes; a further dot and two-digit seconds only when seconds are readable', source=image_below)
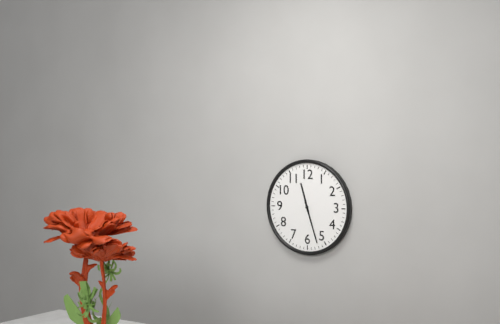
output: 11.27
